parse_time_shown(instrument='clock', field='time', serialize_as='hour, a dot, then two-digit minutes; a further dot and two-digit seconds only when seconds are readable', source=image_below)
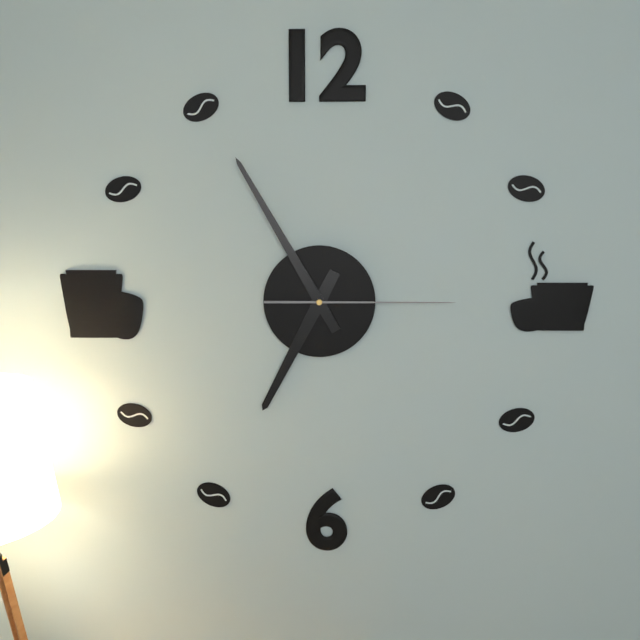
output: 6.55.15
